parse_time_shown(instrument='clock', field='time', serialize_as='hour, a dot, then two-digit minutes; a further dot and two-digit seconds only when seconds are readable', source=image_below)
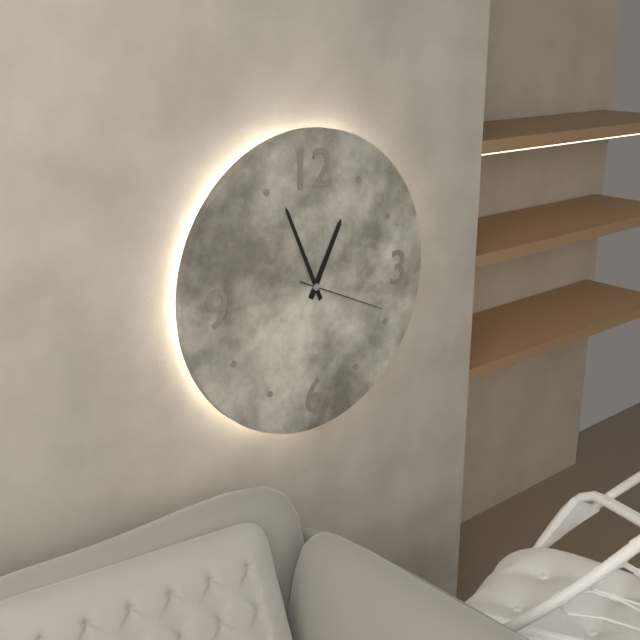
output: 12.56.19
